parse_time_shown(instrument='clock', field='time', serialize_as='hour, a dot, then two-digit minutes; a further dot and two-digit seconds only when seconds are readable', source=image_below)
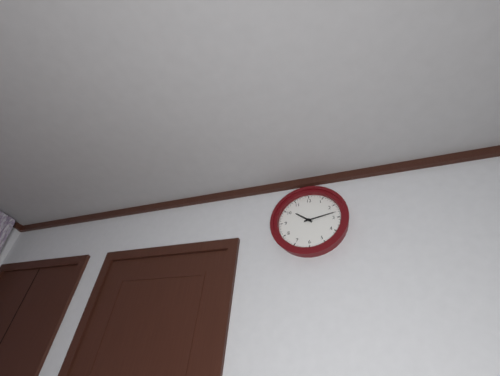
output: 10.13
